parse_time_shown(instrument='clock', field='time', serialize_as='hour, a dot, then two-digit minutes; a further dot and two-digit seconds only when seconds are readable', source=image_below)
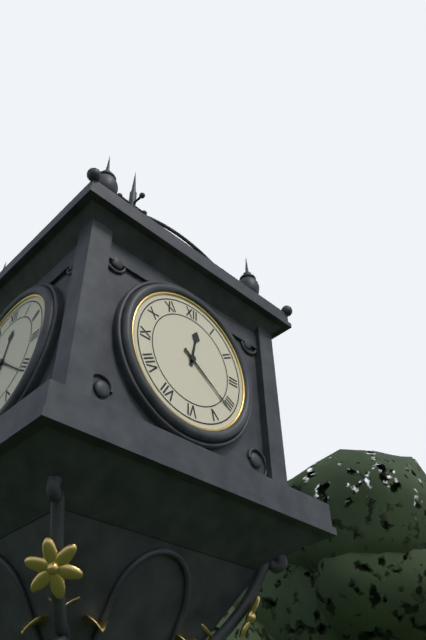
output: 12.21
